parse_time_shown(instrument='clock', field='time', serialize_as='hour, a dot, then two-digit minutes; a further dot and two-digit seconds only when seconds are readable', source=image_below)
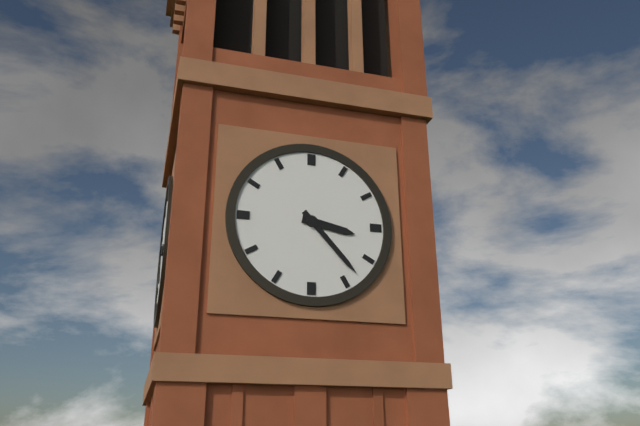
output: 3.23
